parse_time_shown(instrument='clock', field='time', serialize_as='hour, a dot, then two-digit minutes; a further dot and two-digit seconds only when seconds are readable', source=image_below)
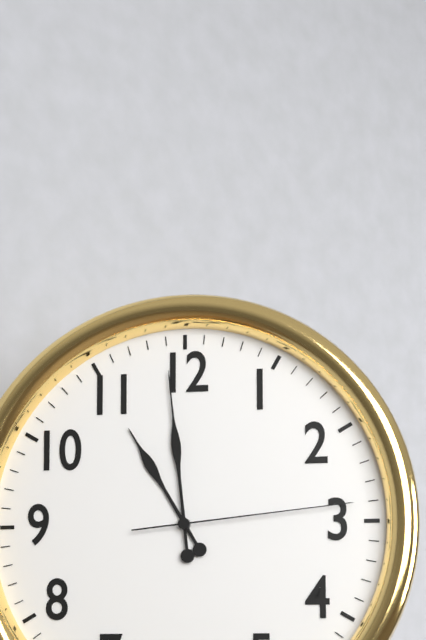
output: 10.59.14
